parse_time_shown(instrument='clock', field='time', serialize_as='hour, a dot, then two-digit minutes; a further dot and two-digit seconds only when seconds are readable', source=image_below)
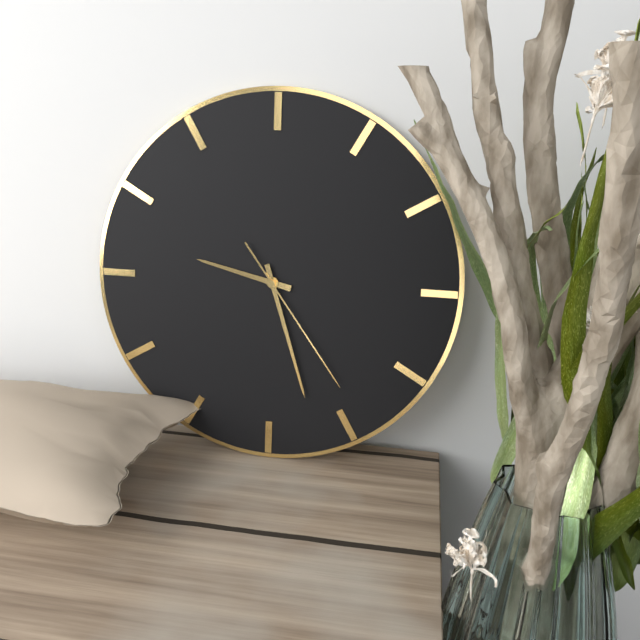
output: 9.27.24
